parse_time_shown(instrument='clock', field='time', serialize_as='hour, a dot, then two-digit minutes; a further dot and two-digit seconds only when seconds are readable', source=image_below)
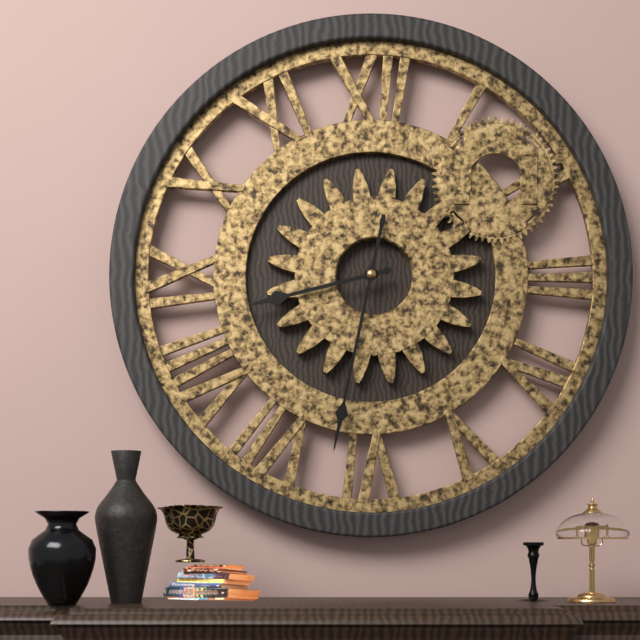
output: 8.32
